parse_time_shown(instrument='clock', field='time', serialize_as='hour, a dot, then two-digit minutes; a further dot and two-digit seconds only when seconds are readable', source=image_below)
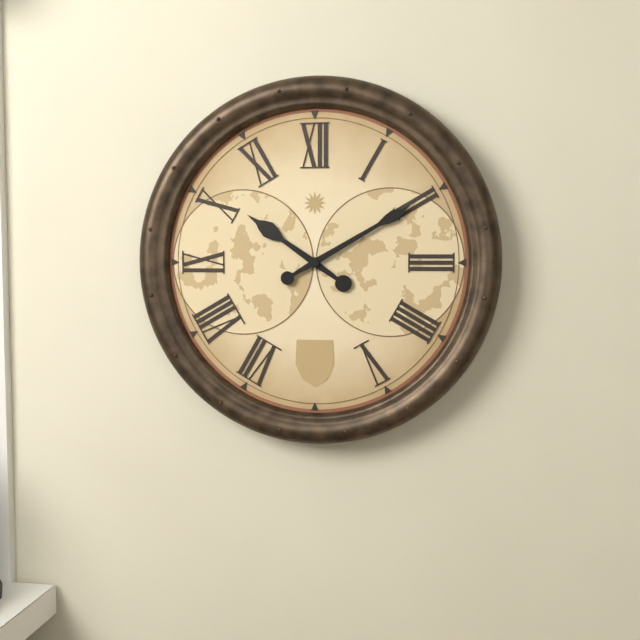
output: 10.10
